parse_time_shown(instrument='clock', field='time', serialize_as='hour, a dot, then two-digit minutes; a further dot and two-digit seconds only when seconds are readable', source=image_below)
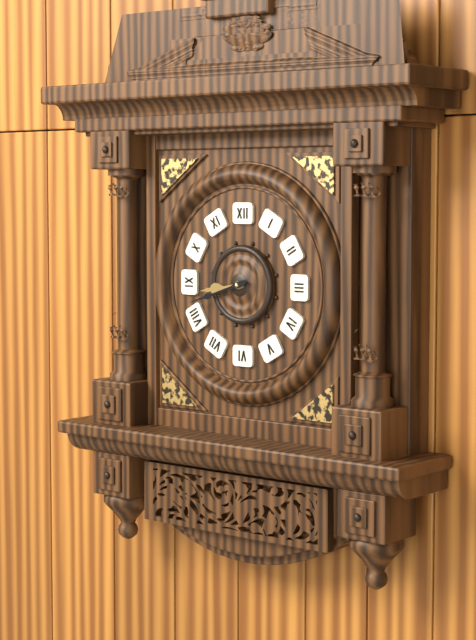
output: 8.42
